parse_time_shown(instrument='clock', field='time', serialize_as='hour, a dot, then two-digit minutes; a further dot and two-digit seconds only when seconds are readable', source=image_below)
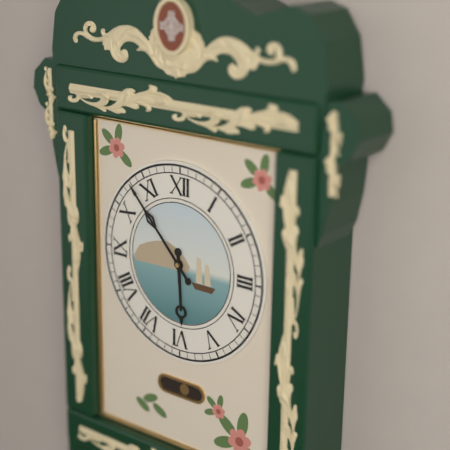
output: 5.53
